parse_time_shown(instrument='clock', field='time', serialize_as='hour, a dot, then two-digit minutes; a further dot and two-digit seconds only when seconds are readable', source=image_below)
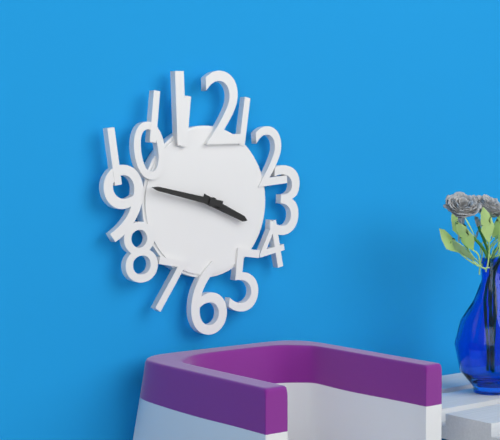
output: 3.47
